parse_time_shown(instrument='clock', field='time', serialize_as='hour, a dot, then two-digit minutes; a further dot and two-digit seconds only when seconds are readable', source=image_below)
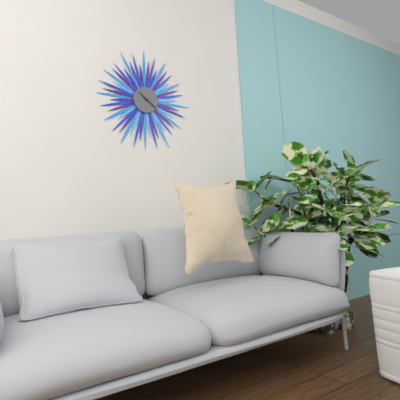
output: 10.21
